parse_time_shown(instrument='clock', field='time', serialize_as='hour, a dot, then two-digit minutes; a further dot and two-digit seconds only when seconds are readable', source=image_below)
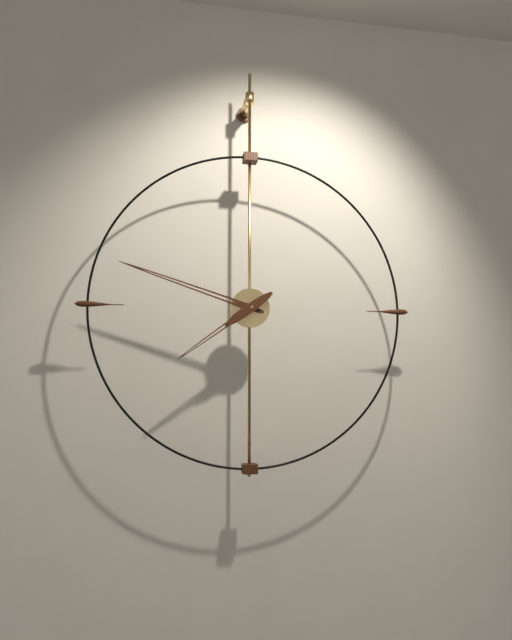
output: 7.48
